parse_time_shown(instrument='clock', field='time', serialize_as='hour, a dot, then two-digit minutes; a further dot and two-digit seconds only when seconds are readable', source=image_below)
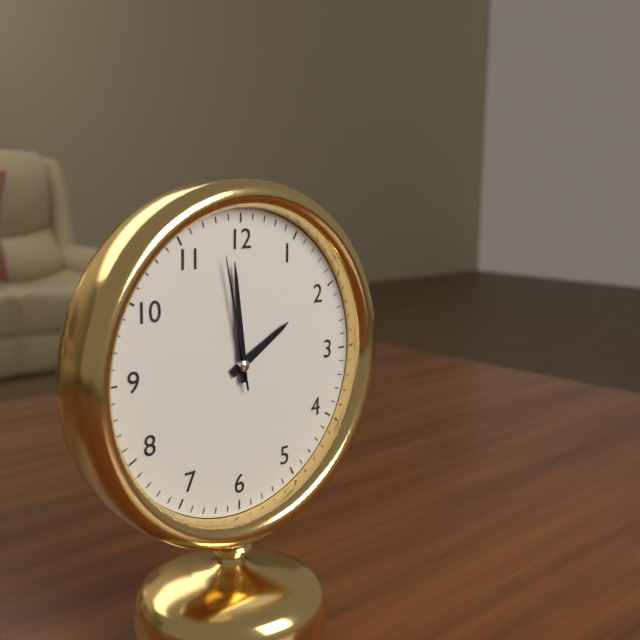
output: 1.59.58
